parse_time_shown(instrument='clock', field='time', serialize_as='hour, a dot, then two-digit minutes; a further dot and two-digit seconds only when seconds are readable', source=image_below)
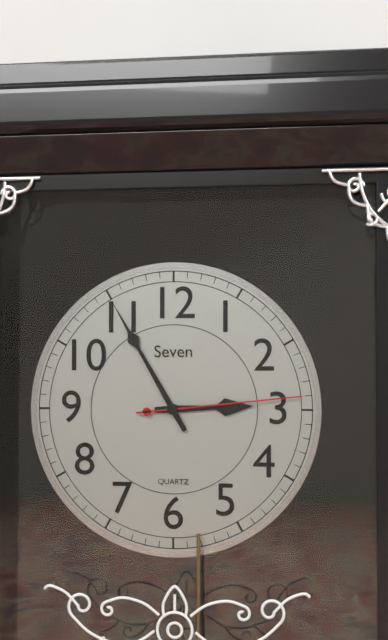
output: 2.55.14
